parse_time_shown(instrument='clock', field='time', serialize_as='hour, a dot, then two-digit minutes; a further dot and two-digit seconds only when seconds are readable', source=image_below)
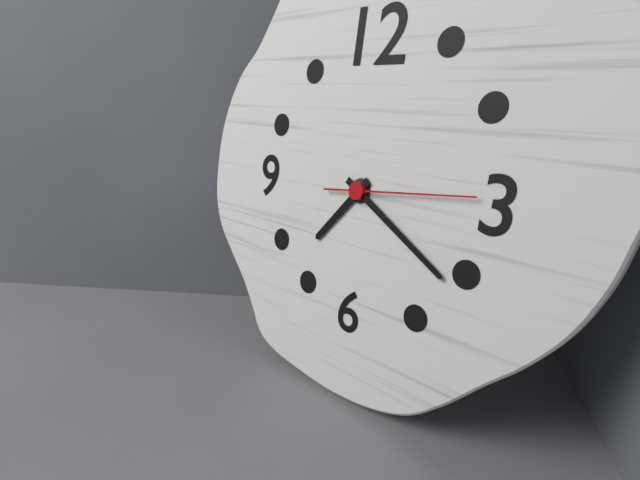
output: 7.20.14
